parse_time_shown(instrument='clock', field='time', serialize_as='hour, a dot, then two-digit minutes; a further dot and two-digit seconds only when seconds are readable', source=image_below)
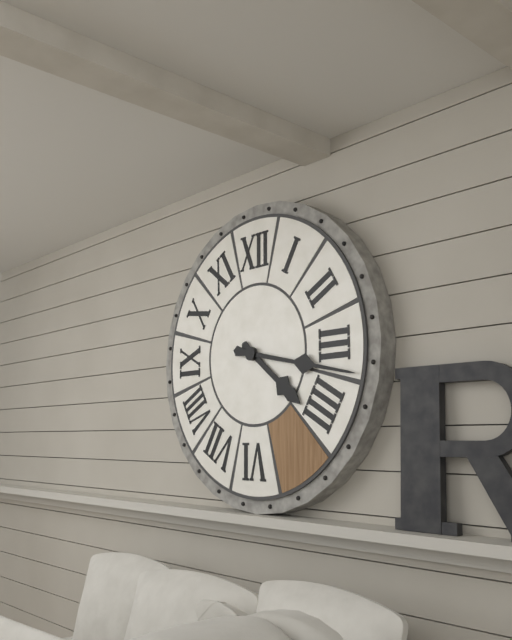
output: 4.17
